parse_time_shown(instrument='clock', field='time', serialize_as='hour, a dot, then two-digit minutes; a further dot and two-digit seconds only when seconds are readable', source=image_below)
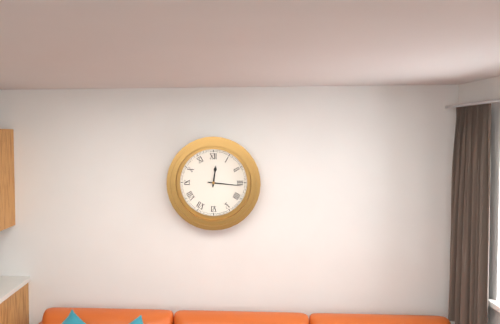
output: 12.16
